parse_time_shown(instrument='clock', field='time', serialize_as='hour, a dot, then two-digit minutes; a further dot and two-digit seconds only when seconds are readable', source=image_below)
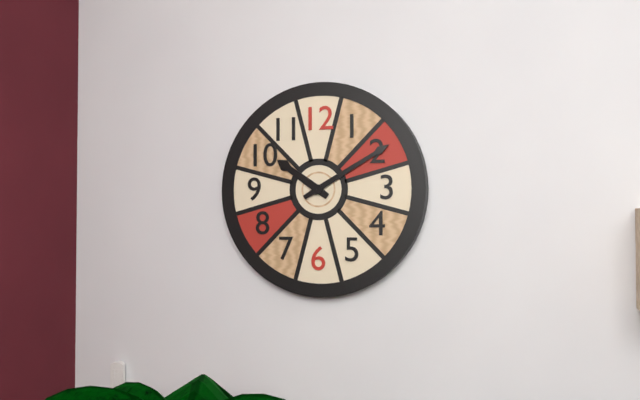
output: 10.10
